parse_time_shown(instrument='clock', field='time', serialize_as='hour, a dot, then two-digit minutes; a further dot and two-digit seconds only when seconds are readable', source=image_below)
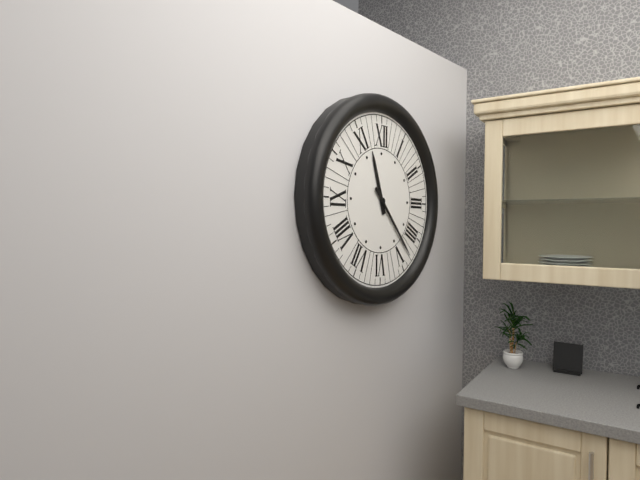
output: 11.23
